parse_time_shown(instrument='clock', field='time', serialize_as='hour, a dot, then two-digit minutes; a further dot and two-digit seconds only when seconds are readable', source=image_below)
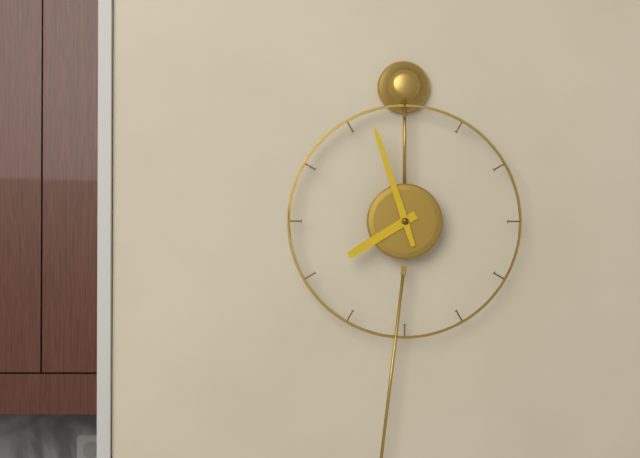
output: 7.57
